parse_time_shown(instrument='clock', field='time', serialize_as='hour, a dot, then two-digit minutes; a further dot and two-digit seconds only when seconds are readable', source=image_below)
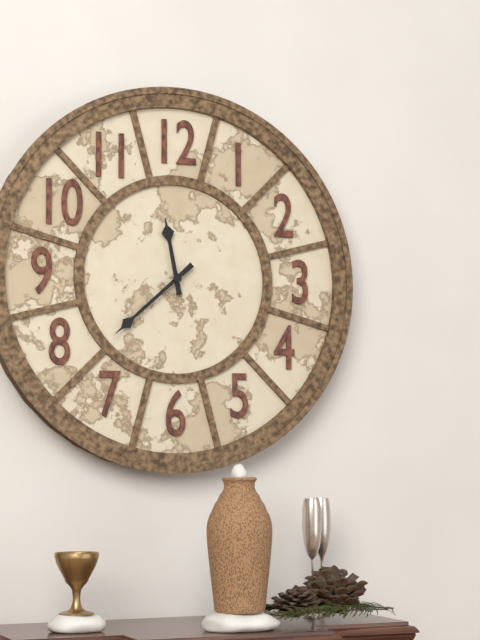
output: 11.38
